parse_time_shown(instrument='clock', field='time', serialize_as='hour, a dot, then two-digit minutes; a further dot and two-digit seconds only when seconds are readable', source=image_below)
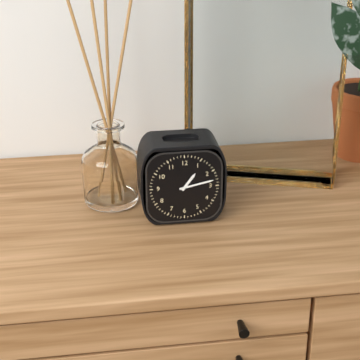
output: 1.13
